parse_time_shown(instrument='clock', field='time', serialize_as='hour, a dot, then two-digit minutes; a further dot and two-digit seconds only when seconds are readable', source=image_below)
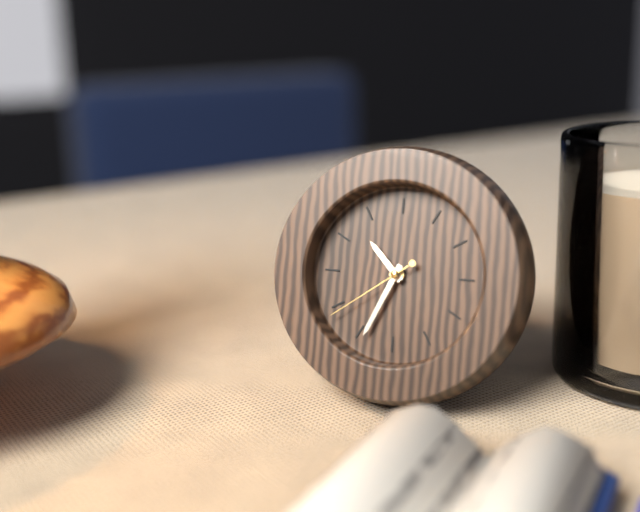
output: 10.34.39
